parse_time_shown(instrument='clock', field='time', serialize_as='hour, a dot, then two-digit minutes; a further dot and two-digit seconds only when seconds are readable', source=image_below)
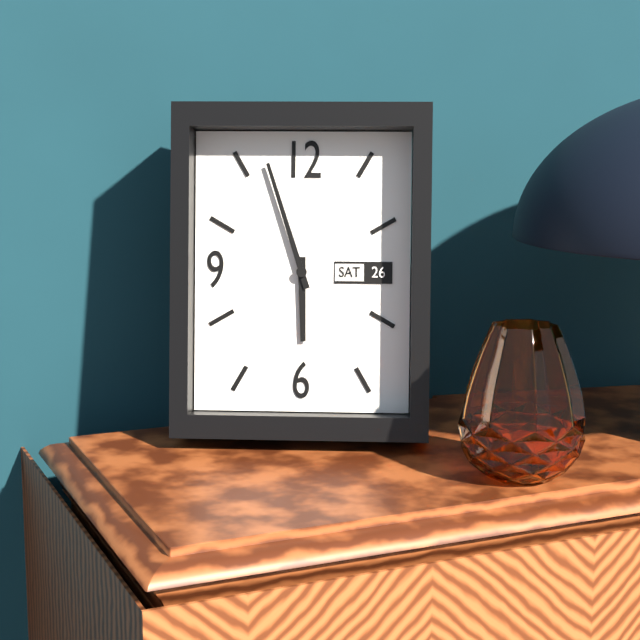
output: 5.57
